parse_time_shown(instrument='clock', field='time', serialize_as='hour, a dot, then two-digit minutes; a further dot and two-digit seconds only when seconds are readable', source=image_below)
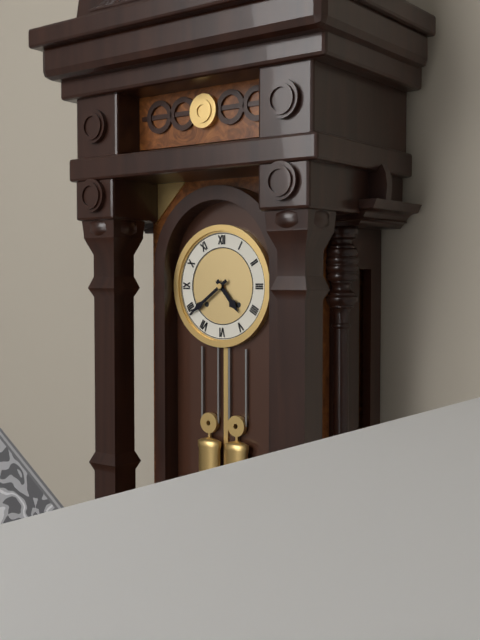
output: 4.39
